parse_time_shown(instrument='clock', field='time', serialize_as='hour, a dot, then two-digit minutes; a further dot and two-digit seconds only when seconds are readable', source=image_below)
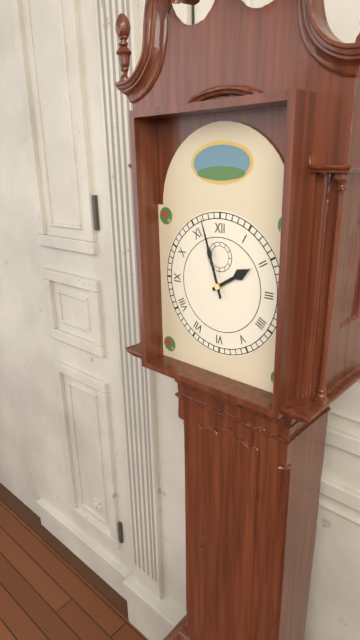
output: 1.57
